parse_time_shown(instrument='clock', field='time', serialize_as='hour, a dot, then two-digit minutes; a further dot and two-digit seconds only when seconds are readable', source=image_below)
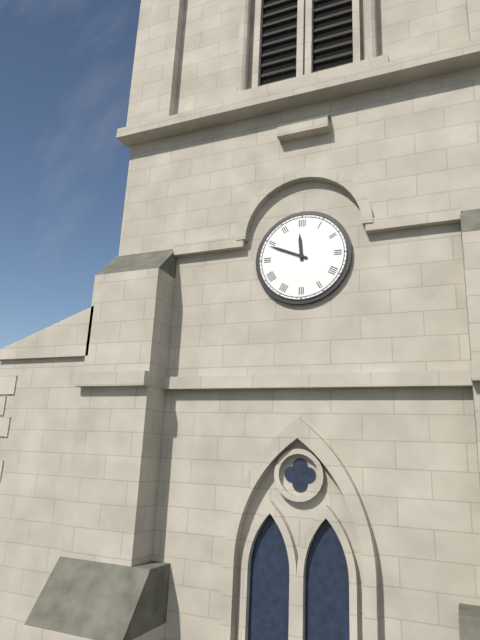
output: 11.49
